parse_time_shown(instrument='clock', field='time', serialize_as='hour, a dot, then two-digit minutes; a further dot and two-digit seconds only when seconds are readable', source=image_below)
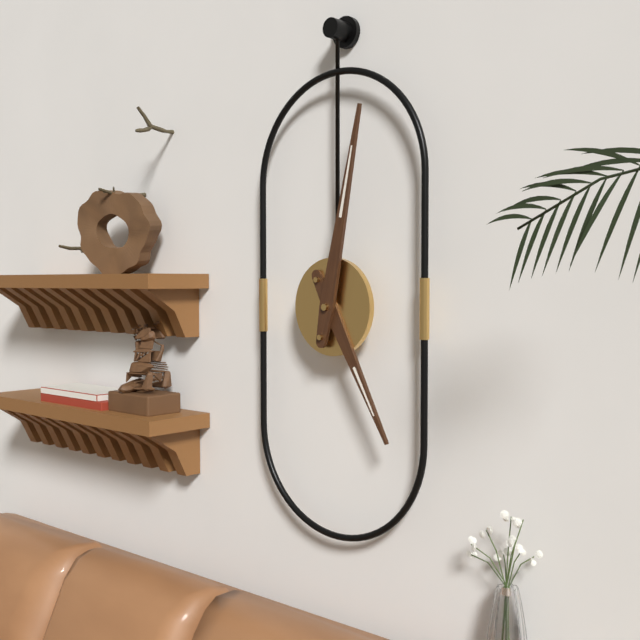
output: 5.02
